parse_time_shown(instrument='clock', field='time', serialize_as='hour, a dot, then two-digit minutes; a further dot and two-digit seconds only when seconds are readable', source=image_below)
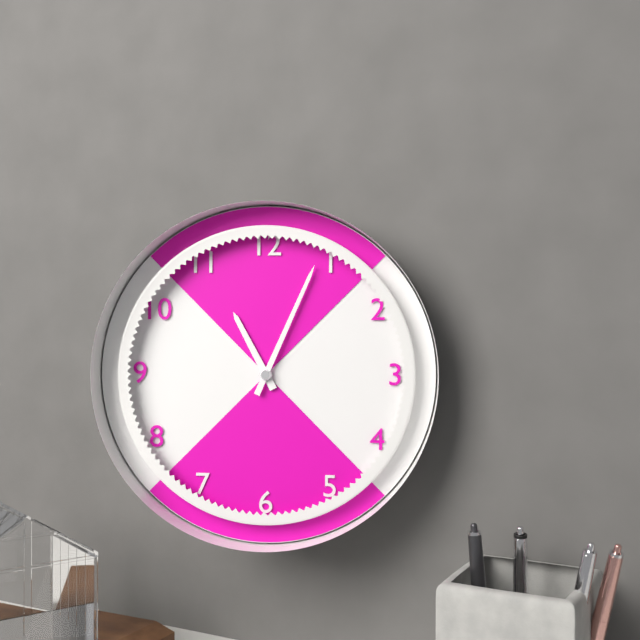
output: 11.04
